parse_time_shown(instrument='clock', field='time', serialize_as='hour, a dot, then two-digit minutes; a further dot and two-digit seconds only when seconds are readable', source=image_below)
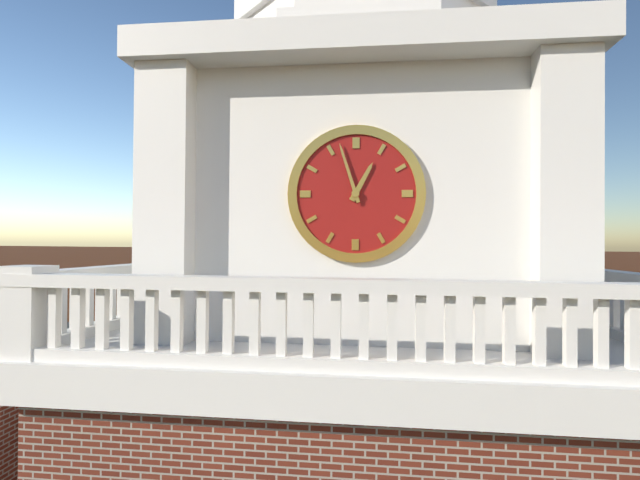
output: 12.57
